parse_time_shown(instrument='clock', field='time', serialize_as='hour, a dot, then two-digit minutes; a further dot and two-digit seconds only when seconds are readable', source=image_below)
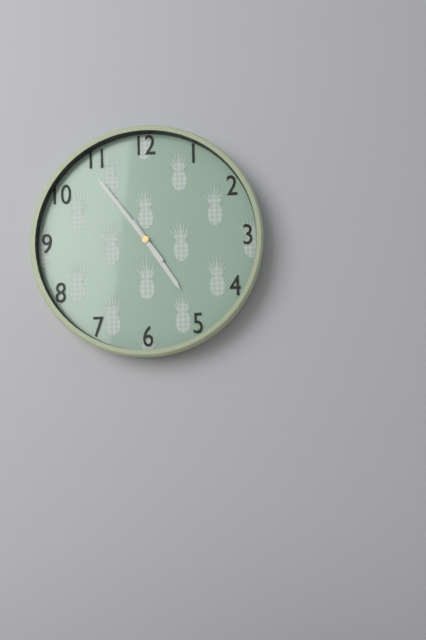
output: 4.54
